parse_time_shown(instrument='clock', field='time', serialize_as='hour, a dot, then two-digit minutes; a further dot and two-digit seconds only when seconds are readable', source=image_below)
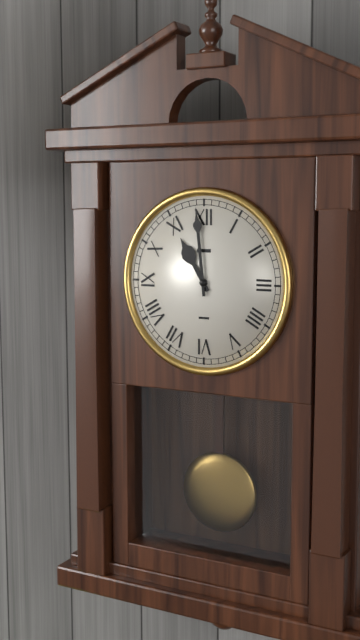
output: 10.59
